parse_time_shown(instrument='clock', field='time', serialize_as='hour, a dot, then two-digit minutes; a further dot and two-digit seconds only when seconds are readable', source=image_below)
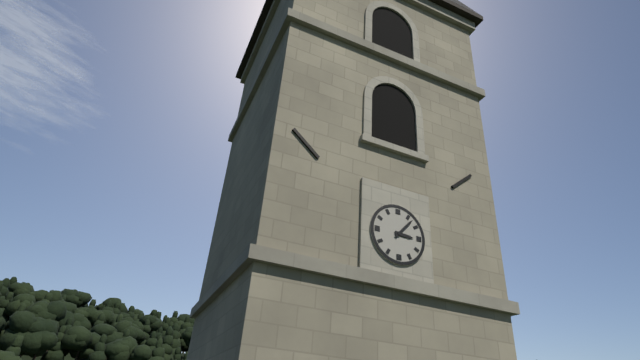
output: 3.07
